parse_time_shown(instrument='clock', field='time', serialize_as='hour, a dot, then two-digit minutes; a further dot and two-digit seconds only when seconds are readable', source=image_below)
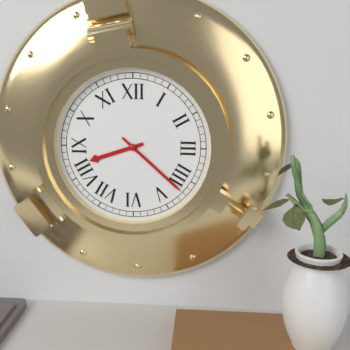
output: 8.22
